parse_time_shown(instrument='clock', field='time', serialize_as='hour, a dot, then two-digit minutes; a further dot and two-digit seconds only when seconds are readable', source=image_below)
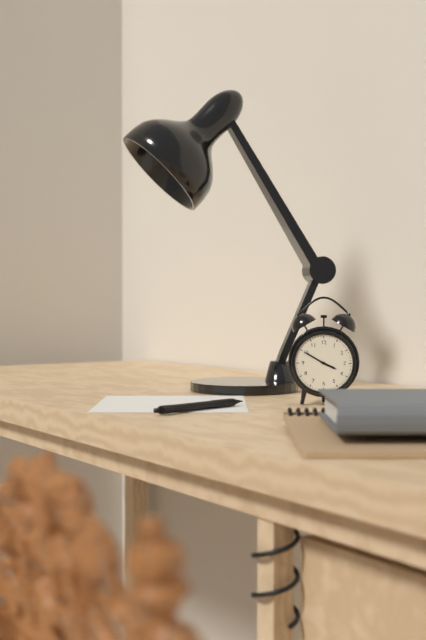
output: 3.50
